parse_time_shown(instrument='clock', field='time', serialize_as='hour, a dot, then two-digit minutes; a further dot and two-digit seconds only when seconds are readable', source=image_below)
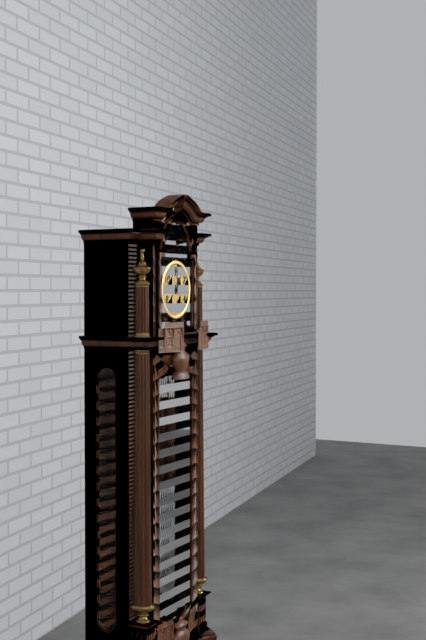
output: 1.00
